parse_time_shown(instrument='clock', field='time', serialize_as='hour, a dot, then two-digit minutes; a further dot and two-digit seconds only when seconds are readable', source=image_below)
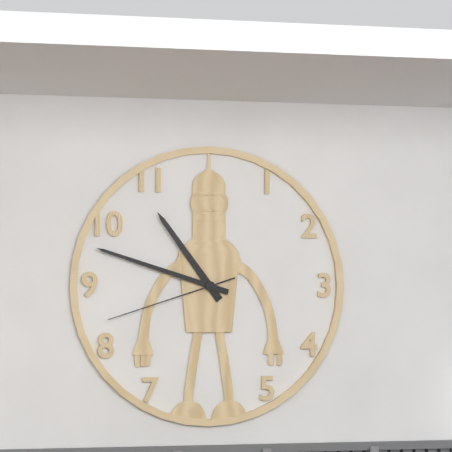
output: 10.48.42
